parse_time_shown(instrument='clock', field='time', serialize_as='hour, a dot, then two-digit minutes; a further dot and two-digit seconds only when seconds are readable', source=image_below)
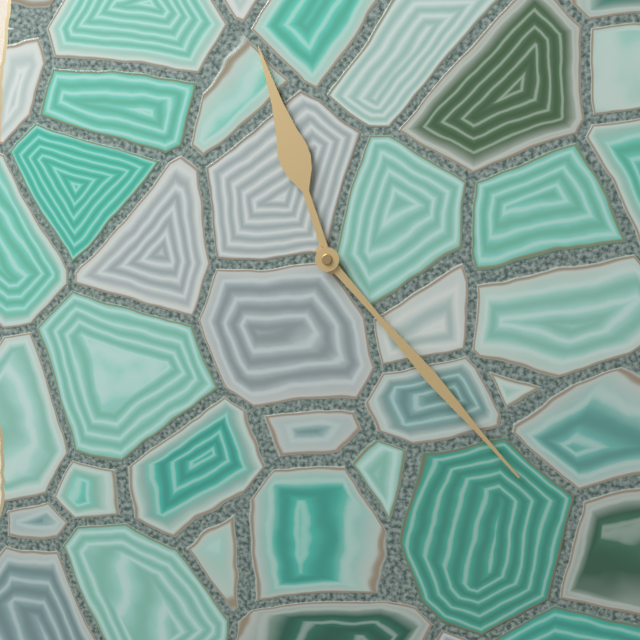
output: 11.23
